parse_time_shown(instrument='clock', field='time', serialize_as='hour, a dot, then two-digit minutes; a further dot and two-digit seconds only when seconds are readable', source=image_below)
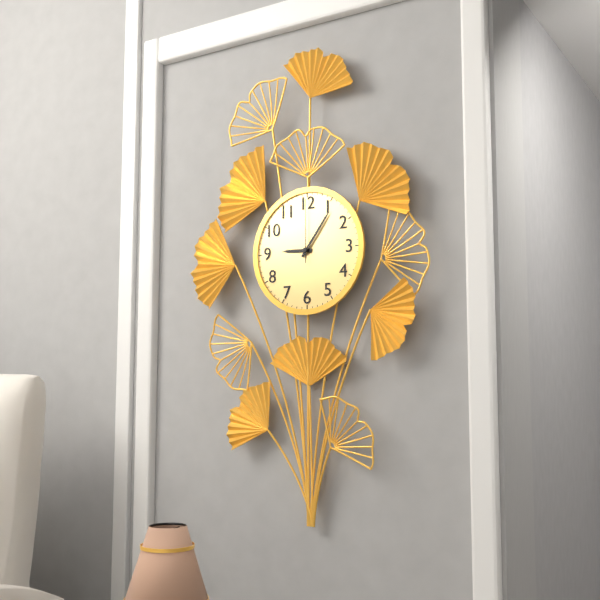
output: 9.06.00
